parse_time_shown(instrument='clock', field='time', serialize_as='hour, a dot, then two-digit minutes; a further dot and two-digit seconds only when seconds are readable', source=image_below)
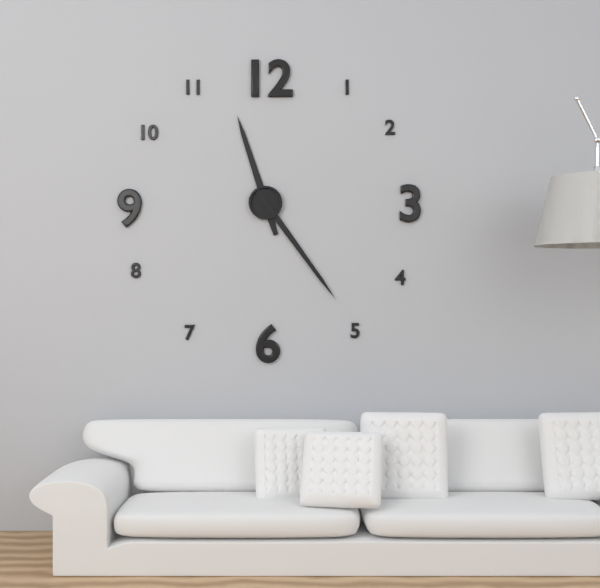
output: 11.24
